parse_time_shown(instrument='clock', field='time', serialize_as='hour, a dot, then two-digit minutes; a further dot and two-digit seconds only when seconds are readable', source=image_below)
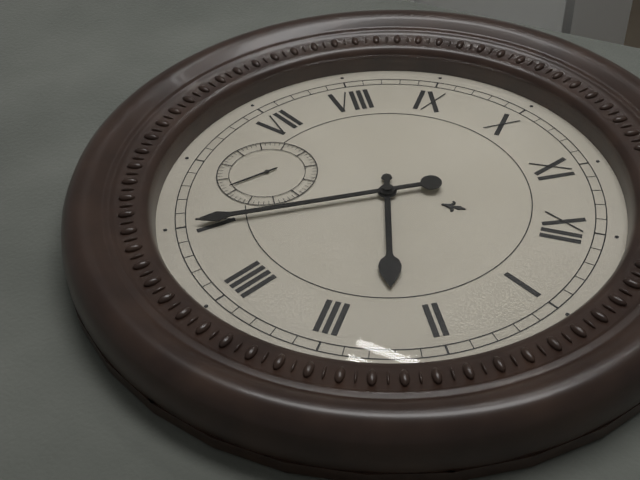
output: 2.25.22
